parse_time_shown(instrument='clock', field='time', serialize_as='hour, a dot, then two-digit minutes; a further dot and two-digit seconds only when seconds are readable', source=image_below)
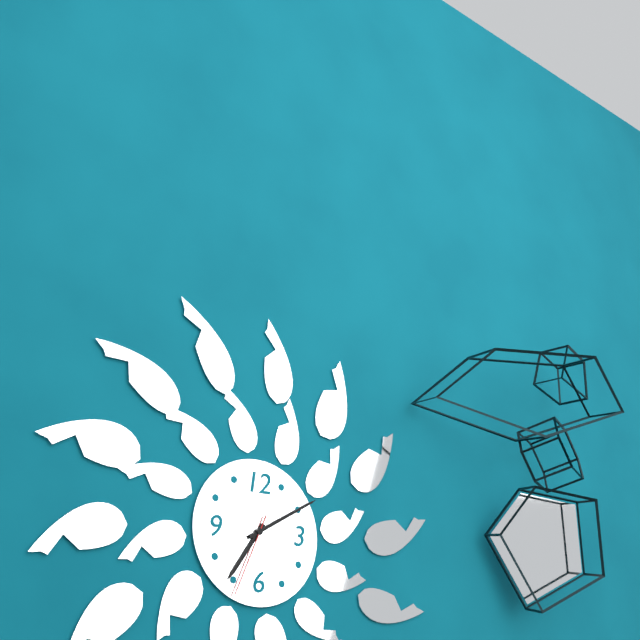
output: 7.10.34
